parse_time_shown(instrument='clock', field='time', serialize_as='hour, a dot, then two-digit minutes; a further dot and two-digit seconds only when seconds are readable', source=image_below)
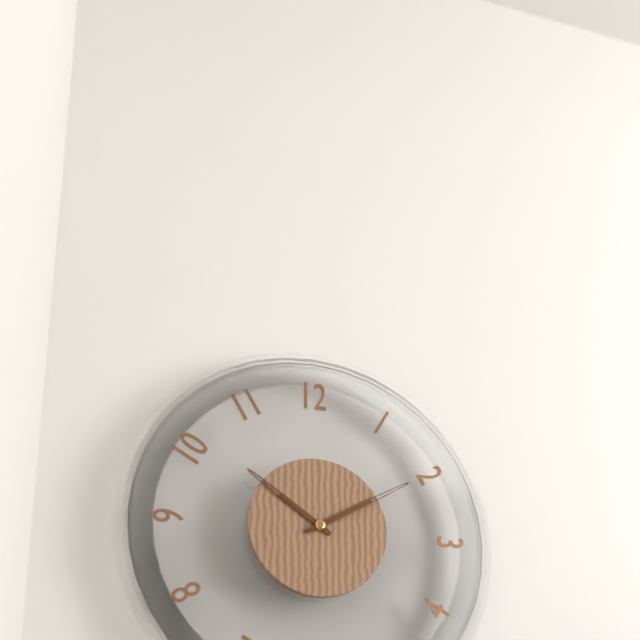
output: 10.10
